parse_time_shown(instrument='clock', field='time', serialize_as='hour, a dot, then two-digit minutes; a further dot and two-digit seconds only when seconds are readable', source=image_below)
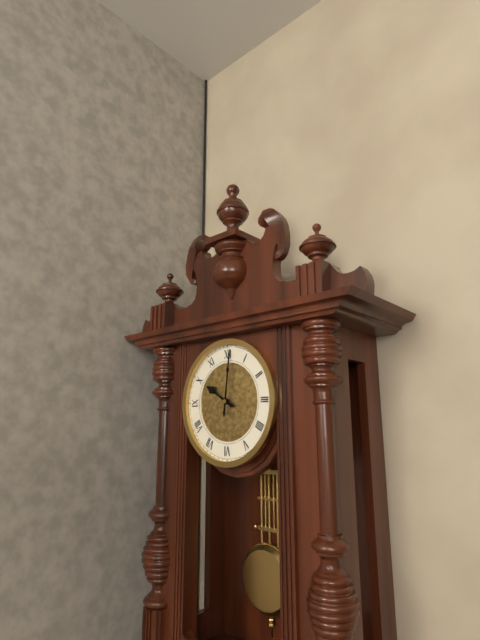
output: 10.01
